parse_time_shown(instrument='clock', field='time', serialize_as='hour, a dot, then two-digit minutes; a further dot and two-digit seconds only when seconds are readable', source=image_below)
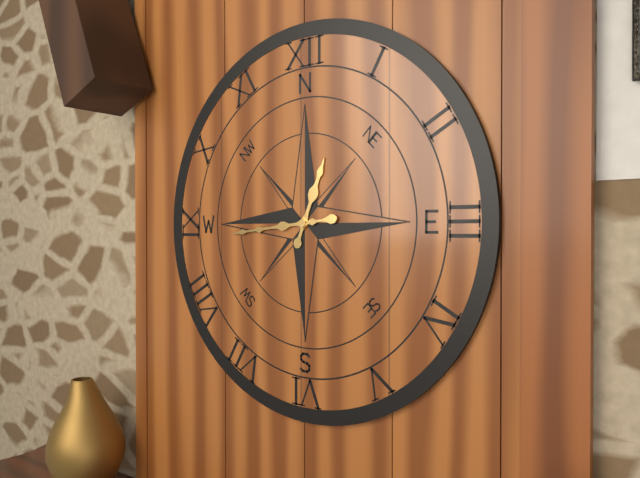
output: 12.44
